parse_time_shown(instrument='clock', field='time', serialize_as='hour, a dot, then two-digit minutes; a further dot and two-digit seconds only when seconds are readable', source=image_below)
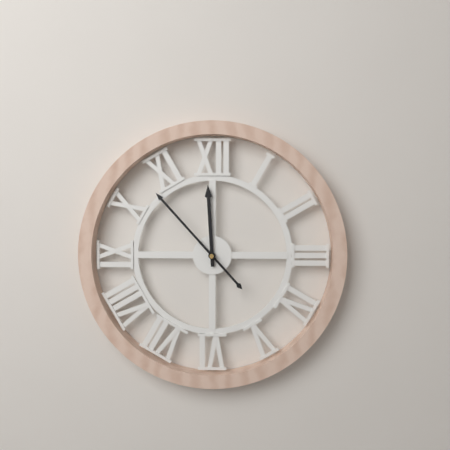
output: 11.53
